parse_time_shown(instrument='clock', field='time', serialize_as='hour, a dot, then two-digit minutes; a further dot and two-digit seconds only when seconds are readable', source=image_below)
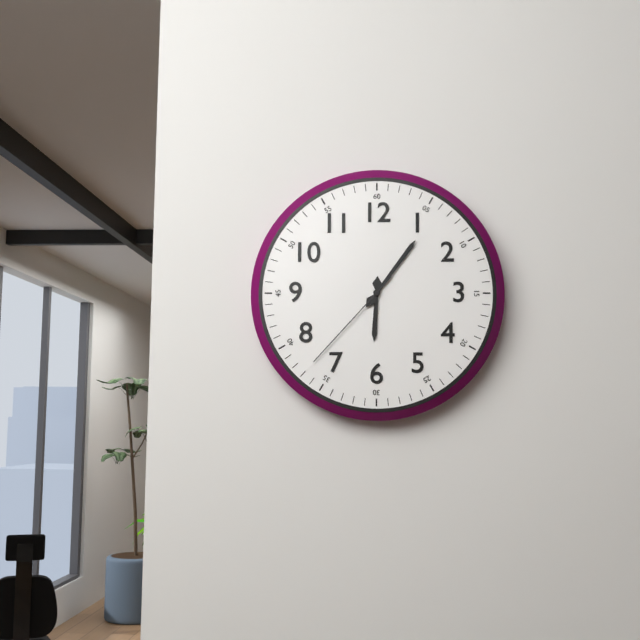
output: 6.06.37
